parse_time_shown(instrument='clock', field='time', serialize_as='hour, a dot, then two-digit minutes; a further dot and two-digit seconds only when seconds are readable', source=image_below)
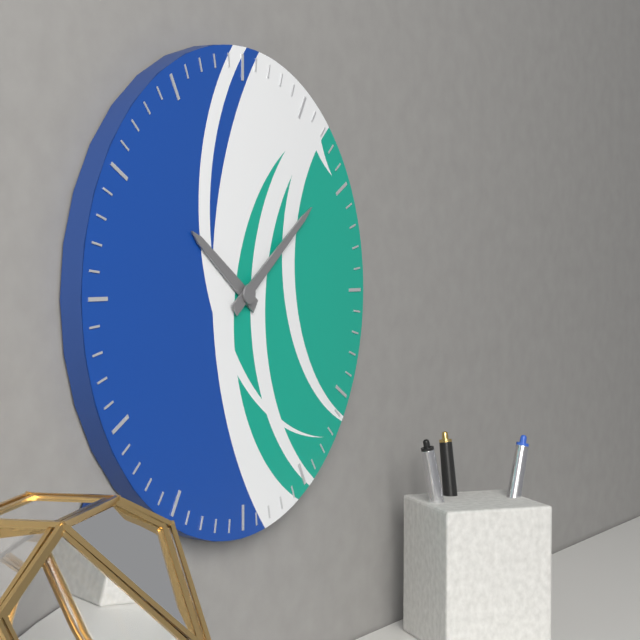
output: 10.09
